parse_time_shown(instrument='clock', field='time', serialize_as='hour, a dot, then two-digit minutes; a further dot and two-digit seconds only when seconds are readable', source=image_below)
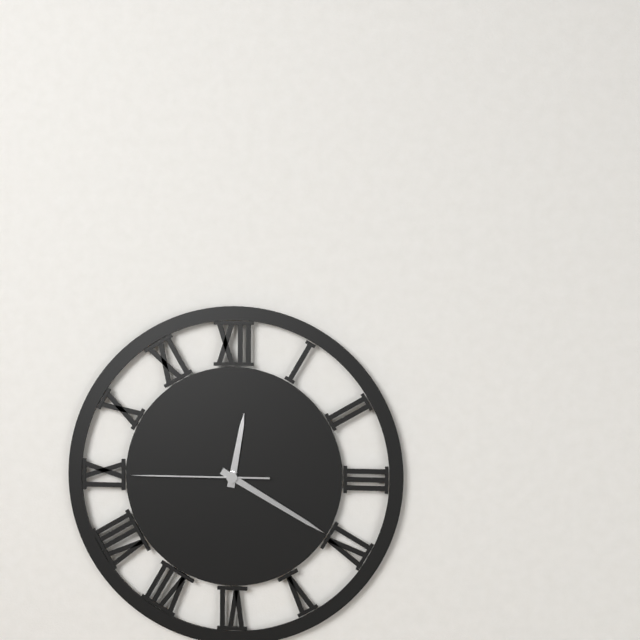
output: 12.20.45
